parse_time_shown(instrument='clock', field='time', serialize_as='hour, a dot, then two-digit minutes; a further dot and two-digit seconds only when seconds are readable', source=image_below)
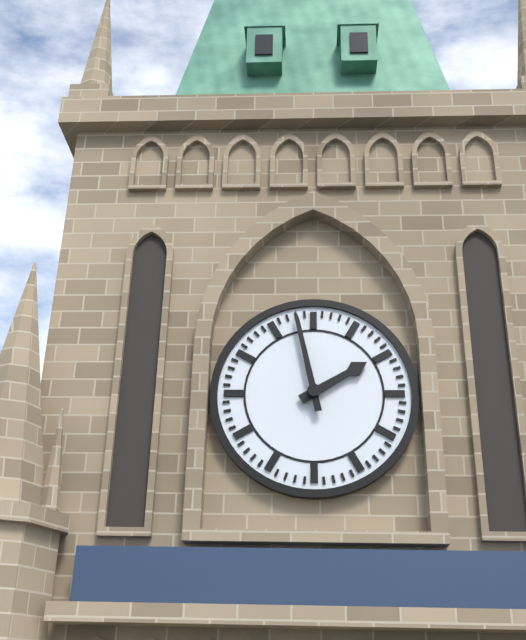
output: 1.58
